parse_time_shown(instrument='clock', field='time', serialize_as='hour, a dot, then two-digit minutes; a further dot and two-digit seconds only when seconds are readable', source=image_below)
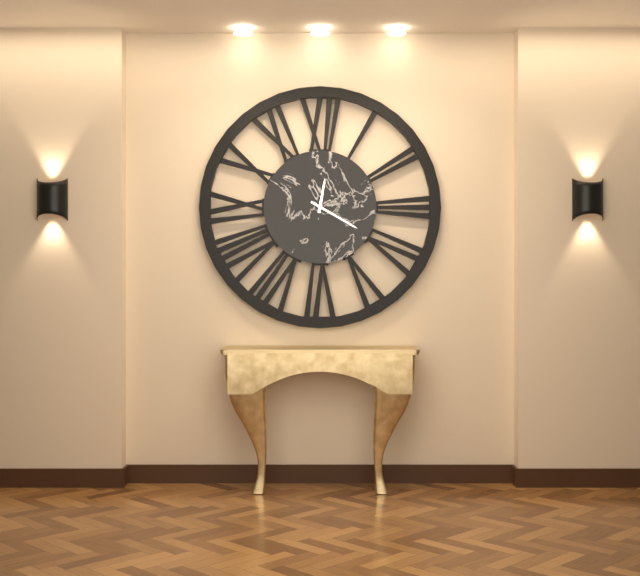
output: 12.20
